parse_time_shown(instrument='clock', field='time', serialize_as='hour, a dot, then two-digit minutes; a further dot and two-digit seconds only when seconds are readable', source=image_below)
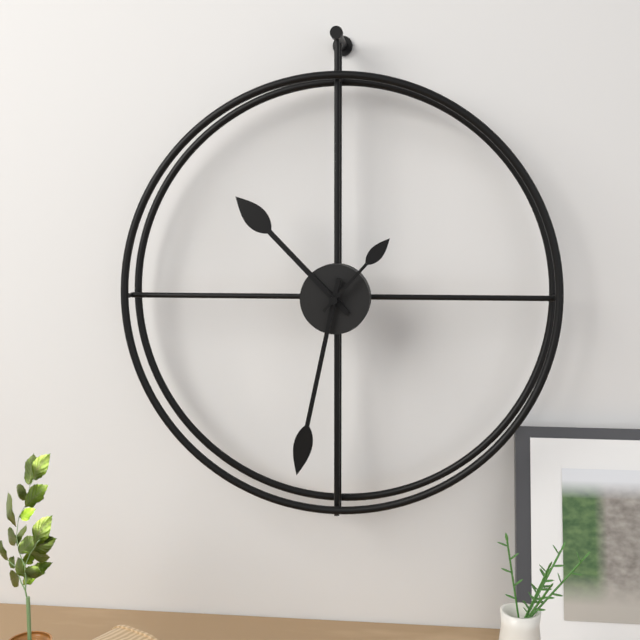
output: 10.32.07
